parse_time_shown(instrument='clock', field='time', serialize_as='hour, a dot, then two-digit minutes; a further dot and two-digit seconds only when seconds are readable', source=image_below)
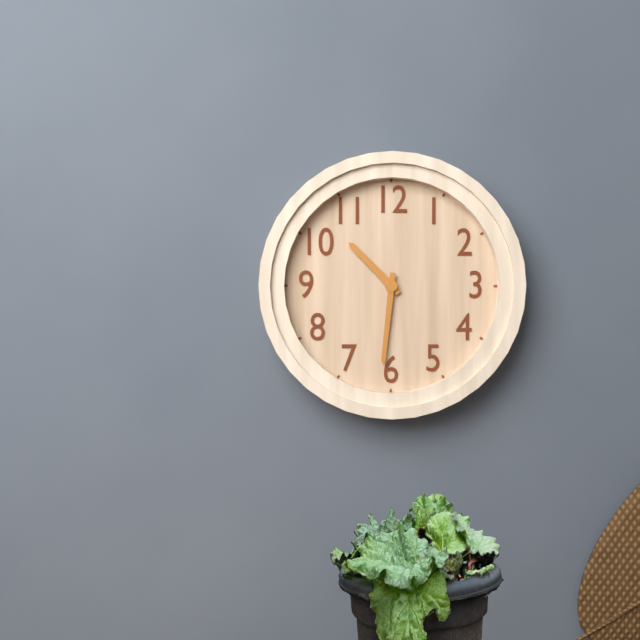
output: 10.31
